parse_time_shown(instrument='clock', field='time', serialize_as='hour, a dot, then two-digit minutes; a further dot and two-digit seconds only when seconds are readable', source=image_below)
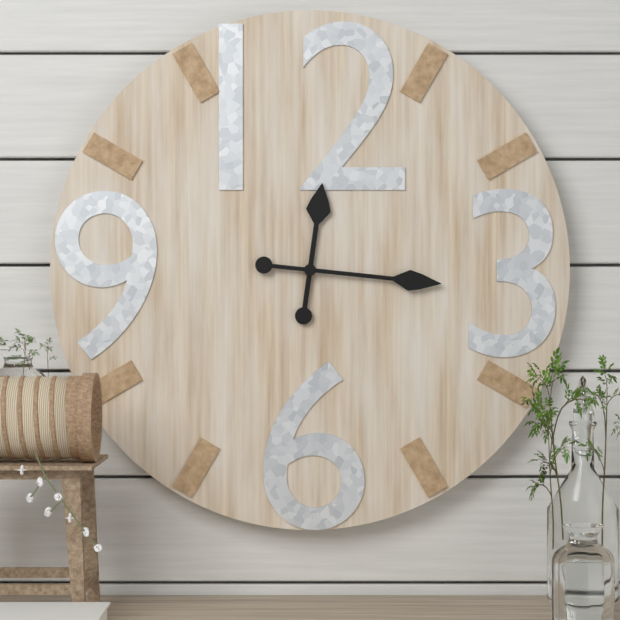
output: 12.16
